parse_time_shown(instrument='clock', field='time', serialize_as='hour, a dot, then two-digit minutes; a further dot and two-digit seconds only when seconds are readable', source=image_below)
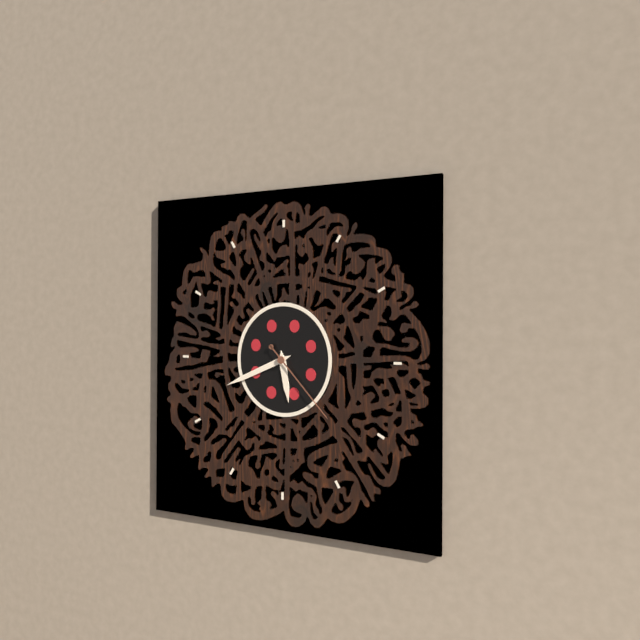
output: 5.41.23
